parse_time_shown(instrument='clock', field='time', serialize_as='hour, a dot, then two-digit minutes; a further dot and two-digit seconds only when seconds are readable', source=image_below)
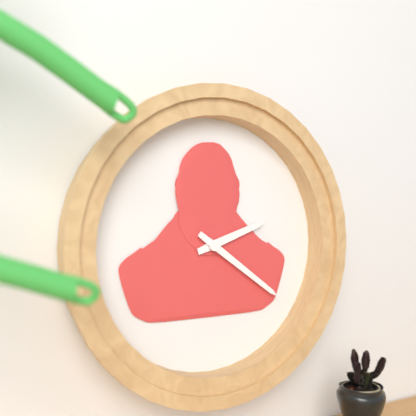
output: 2.21
